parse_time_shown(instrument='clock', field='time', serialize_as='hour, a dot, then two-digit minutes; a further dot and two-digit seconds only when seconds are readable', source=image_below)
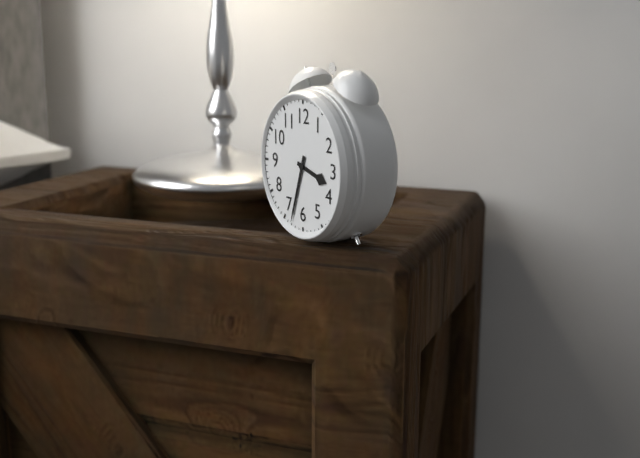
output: 3.33
